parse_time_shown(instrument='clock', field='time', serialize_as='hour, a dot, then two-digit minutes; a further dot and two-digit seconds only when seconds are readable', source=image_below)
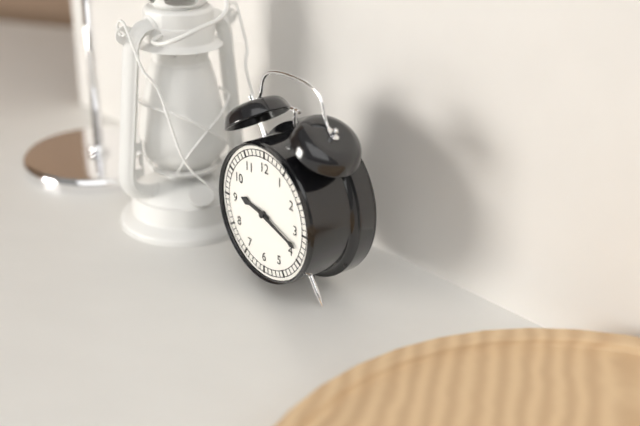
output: 9.18
